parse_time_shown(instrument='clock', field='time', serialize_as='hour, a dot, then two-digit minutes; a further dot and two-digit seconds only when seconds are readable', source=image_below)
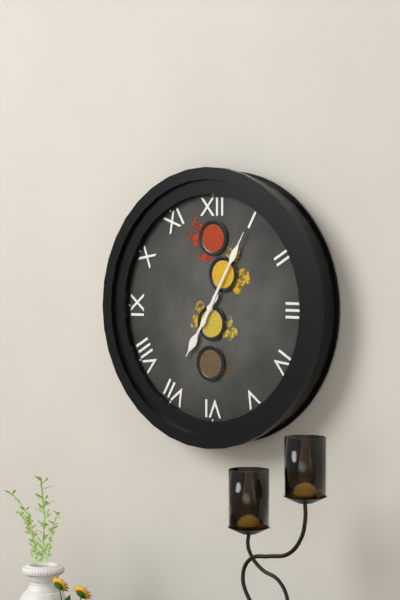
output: 7.05
